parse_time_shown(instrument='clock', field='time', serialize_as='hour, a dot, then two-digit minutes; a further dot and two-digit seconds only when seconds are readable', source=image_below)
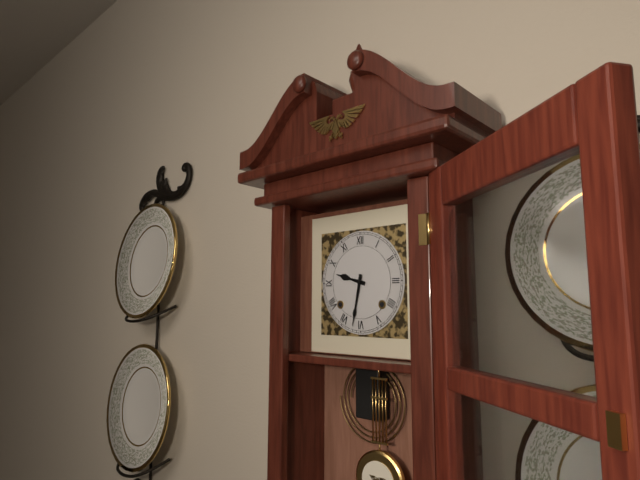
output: 9.32
